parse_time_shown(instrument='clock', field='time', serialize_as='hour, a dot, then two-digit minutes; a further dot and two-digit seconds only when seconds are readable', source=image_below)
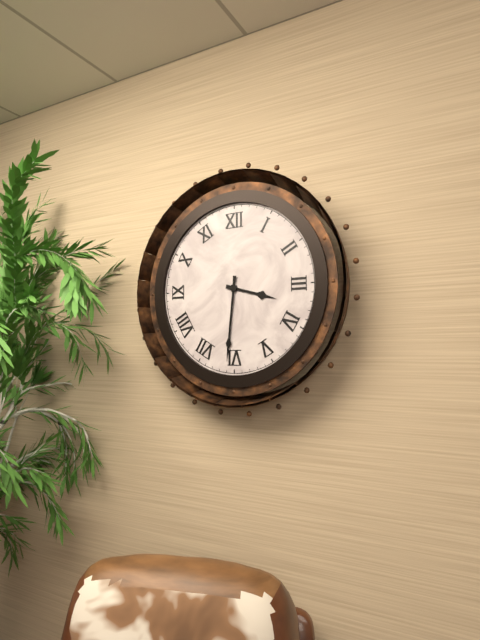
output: 3.31
